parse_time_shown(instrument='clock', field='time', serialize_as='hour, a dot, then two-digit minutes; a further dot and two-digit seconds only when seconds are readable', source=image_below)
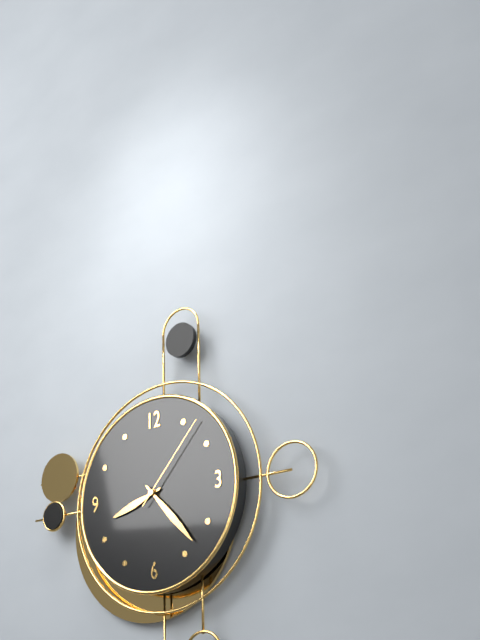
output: 8.23.07
